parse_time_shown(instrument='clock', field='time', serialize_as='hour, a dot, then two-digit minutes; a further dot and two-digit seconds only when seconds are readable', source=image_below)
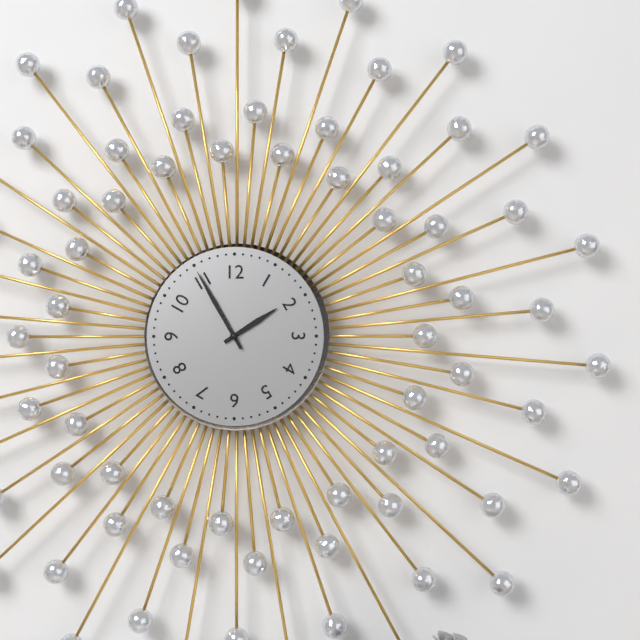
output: 1.55
